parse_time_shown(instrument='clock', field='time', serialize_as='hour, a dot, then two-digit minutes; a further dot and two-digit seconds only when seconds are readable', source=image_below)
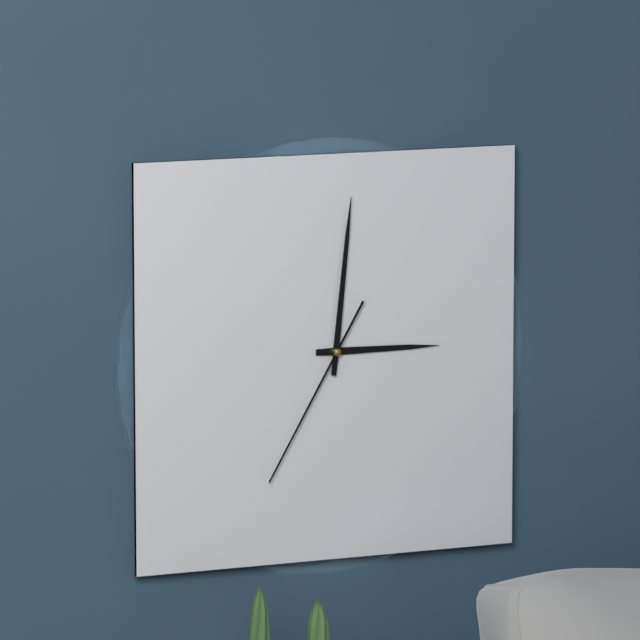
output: 3.01.35
